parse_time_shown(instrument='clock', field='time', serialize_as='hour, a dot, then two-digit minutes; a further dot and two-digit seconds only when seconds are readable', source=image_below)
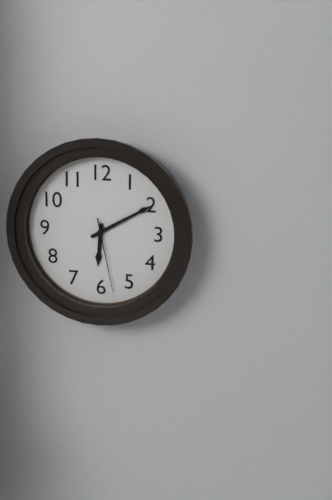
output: 6.10.28
